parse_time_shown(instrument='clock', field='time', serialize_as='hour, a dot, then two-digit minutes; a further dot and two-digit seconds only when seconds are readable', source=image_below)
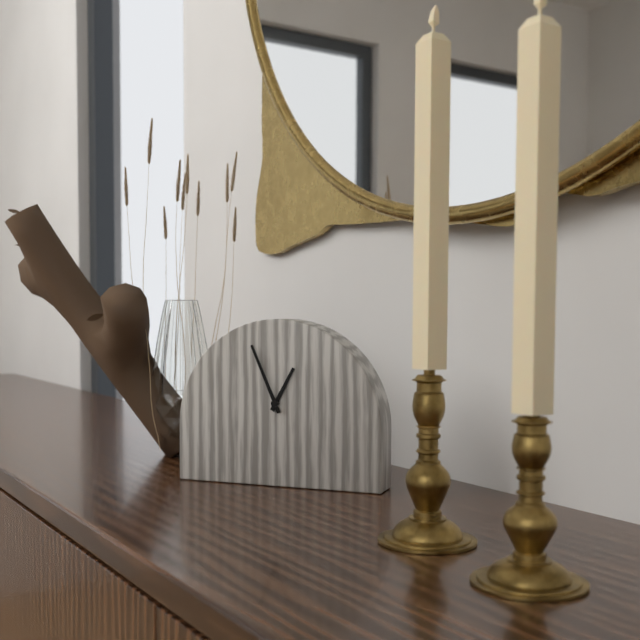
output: 12.56
